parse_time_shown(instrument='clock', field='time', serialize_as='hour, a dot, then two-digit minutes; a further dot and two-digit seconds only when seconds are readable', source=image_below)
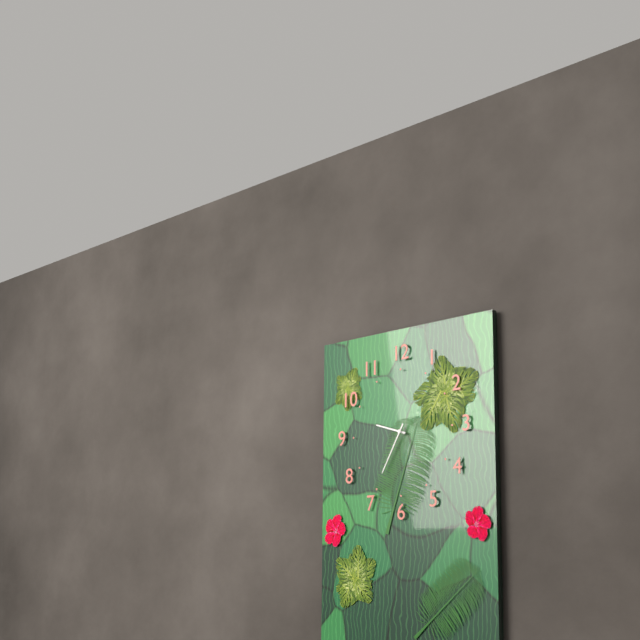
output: 9.35
